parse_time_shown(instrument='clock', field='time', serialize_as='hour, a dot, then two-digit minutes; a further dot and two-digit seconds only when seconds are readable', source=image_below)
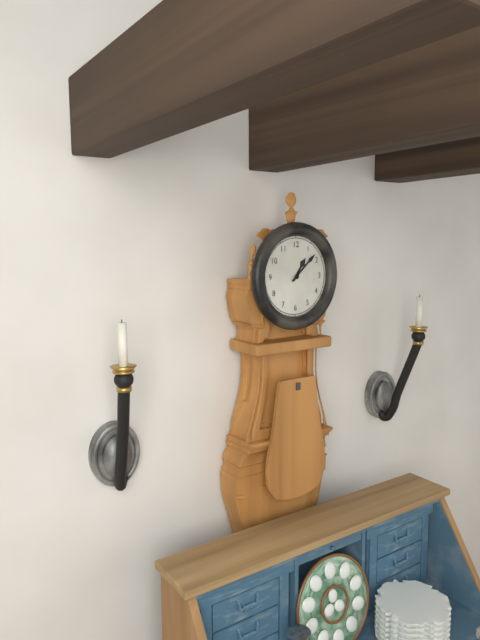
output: 1.08
